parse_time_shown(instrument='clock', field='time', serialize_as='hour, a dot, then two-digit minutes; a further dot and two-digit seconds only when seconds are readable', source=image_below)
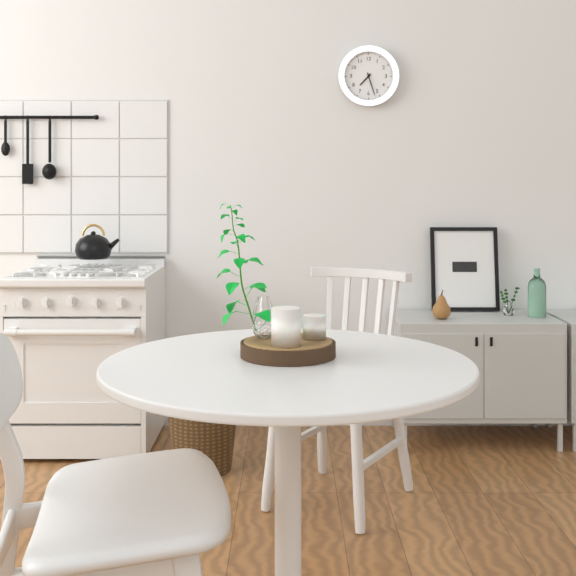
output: 7.27
